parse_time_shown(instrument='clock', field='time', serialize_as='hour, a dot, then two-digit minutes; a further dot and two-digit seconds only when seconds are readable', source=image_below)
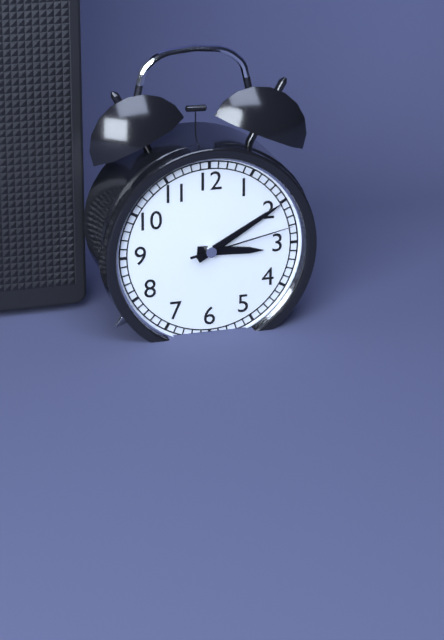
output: 3.10.13
